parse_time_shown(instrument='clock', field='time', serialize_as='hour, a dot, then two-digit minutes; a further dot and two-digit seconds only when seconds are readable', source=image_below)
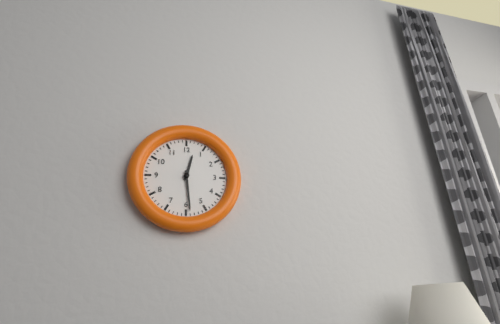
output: 12.29
